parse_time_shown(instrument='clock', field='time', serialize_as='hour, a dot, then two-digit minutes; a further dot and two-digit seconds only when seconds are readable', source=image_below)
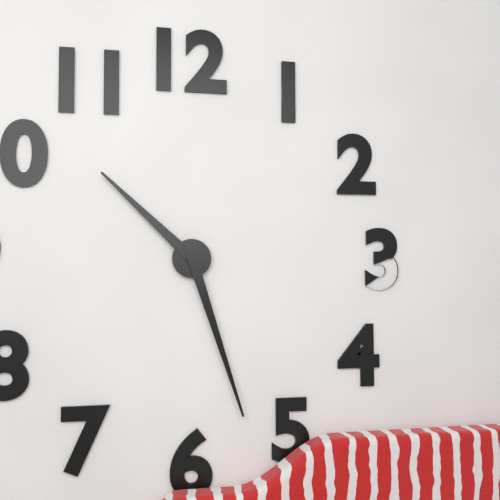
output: 10.27
